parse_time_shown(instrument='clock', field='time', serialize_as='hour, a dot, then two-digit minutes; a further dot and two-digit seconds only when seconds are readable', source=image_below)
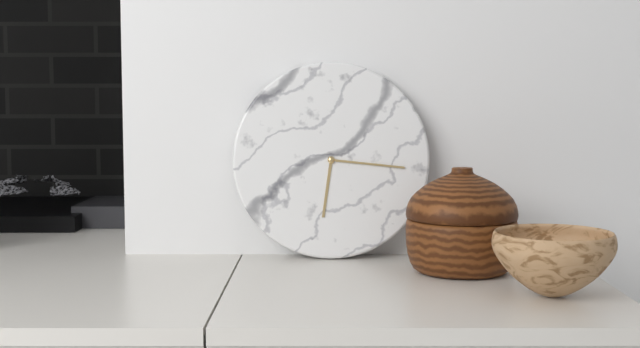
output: 6.16
